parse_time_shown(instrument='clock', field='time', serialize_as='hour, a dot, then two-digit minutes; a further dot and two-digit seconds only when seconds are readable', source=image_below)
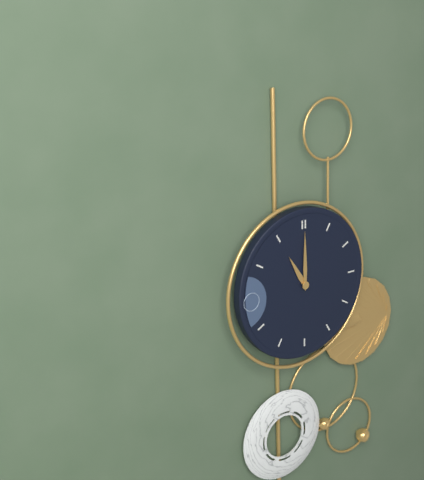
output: 11.00
